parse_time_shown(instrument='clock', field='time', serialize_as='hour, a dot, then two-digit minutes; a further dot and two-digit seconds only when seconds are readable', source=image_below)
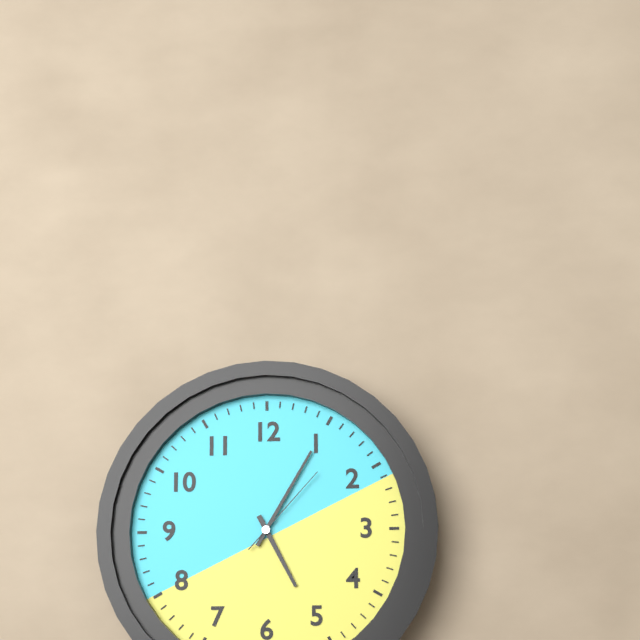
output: 5.05.07
